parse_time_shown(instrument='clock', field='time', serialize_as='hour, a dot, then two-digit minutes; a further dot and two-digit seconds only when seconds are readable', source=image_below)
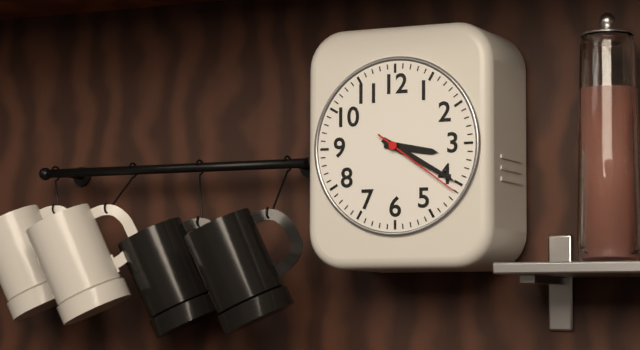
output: 3.20.21
